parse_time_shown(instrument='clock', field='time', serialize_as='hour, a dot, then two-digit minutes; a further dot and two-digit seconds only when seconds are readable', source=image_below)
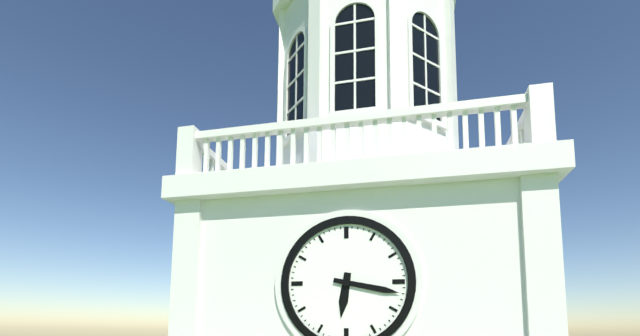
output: 6.17
